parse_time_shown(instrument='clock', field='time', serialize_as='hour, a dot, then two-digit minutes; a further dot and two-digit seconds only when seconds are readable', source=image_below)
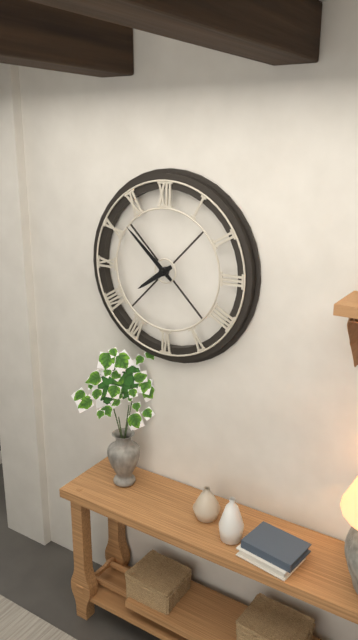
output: 7.52
